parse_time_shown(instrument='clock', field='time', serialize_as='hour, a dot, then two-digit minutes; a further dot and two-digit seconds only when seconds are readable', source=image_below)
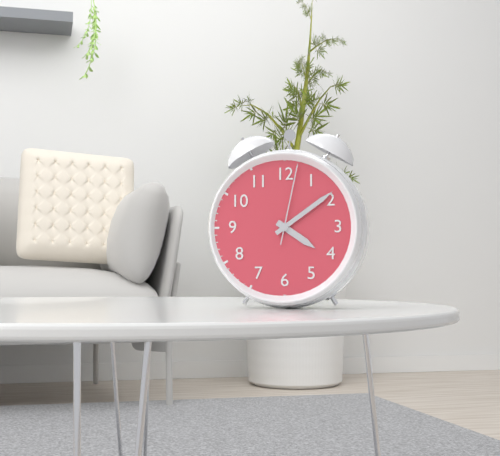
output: 4.09.02
